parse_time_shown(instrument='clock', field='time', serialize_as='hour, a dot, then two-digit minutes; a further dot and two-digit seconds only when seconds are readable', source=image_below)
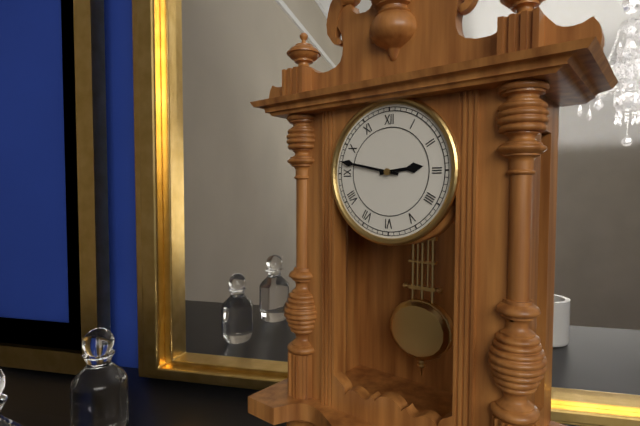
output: 2.47
